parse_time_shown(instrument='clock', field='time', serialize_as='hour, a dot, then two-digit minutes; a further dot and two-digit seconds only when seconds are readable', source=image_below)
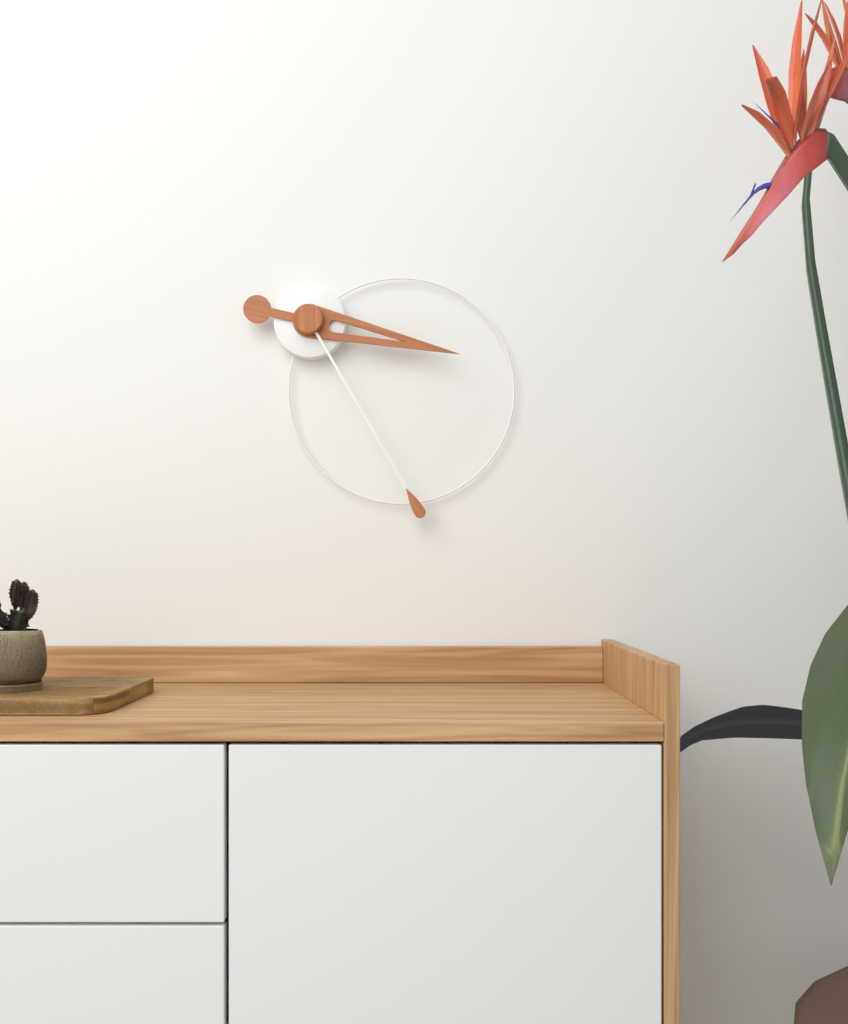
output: 3.25
